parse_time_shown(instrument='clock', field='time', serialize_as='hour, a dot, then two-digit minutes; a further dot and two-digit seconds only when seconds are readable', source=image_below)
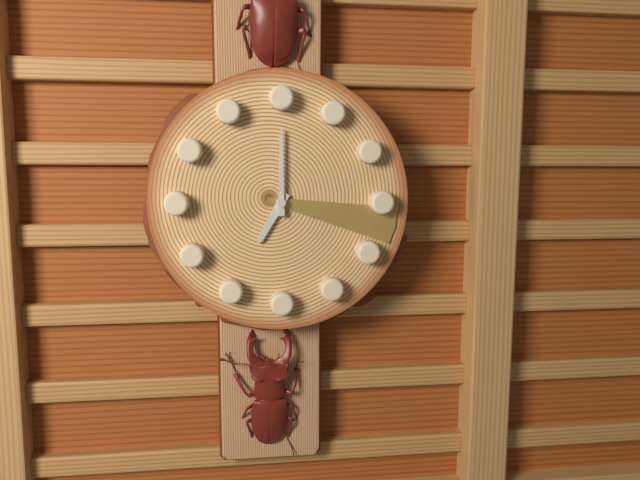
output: 7.00.17
